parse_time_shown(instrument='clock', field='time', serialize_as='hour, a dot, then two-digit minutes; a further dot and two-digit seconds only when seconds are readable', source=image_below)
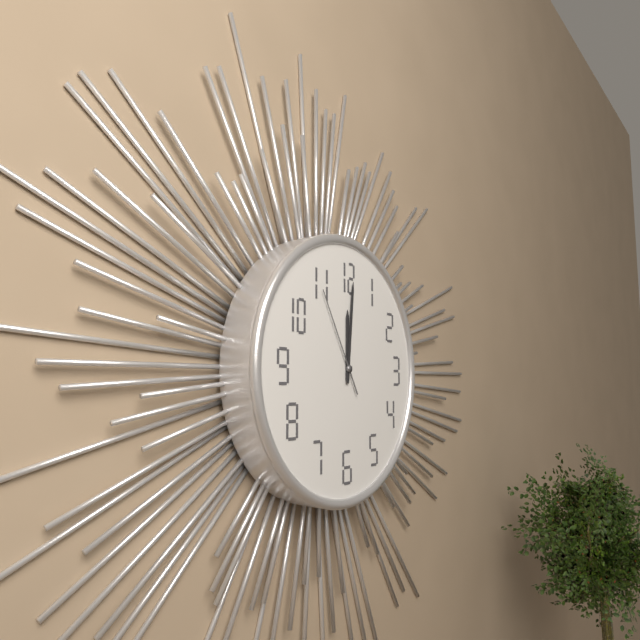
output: 12.01.55
